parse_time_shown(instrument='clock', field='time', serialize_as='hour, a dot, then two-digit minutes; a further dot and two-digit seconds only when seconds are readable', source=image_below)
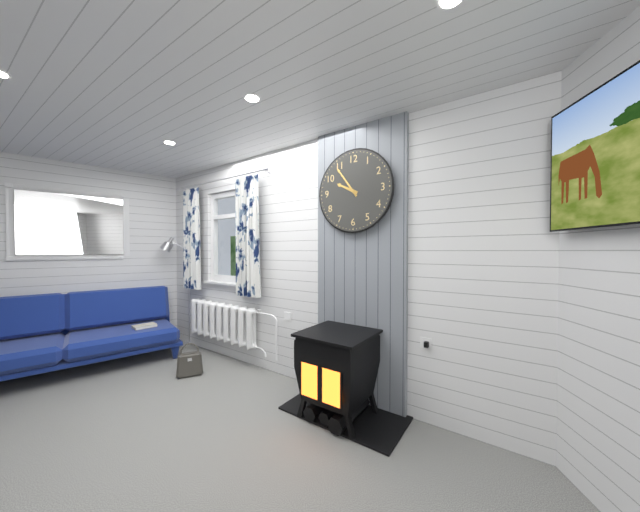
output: 9.54
